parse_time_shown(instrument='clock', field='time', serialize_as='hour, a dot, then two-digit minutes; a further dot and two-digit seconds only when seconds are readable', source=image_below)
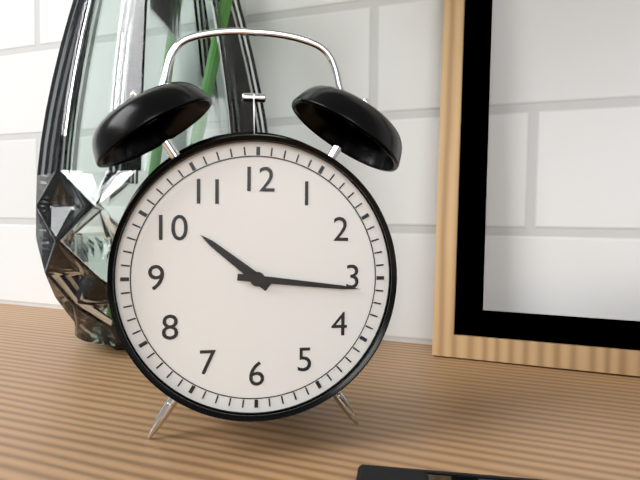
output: 10.16
